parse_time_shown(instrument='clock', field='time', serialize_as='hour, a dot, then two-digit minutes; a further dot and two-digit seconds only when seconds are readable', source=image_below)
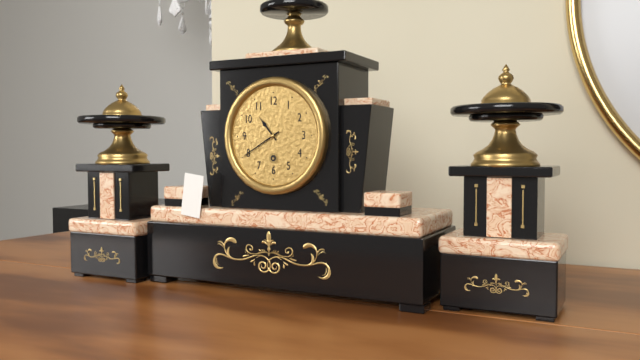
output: 10.40
